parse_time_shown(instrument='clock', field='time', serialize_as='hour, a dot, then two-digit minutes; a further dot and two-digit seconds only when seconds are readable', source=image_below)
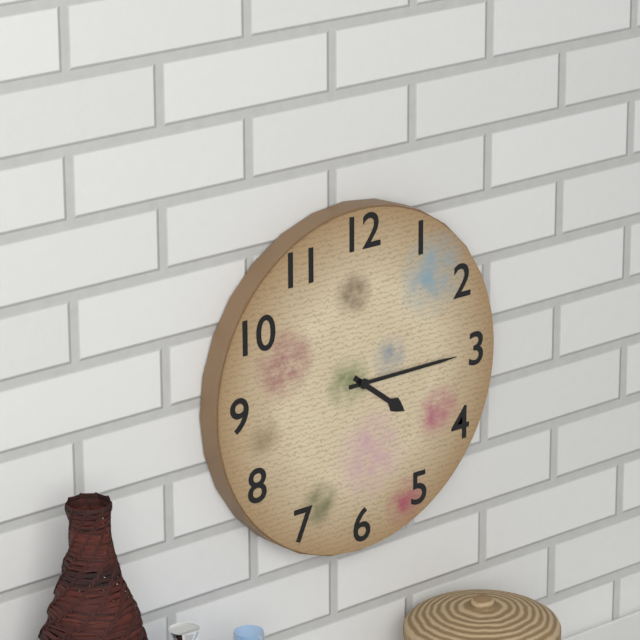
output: 4.15
